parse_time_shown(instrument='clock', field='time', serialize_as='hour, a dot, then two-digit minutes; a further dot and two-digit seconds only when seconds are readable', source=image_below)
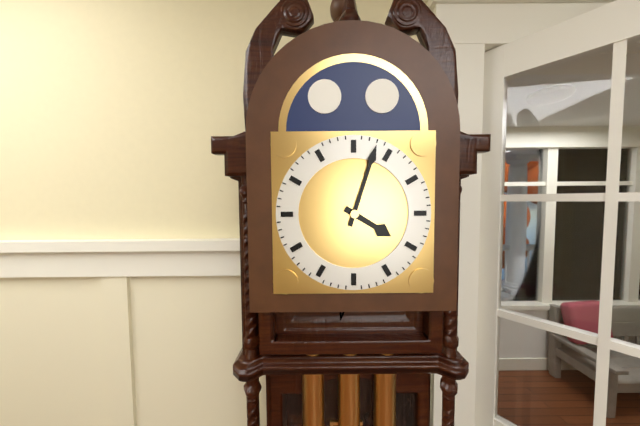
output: 4.03
